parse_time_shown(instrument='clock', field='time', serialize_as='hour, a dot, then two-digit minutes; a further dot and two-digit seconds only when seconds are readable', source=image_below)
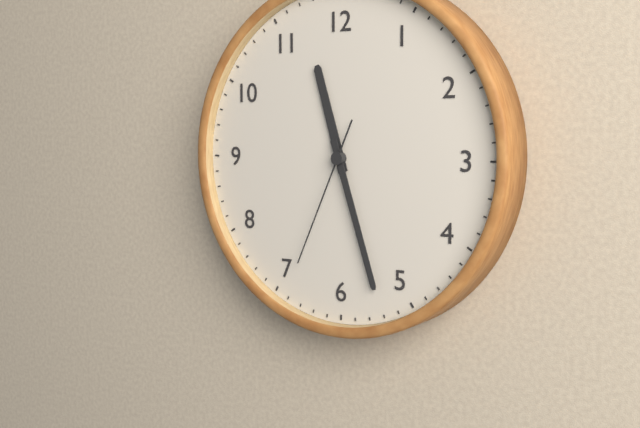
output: 11.27.34
